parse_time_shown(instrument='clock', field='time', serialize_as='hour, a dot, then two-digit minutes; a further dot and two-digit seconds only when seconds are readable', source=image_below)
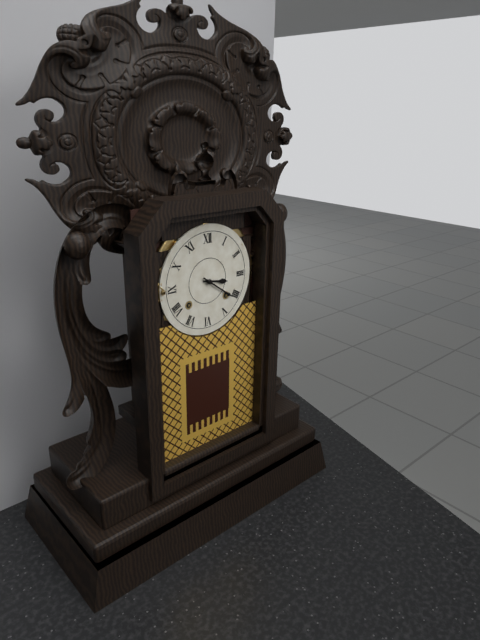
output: 3.21
